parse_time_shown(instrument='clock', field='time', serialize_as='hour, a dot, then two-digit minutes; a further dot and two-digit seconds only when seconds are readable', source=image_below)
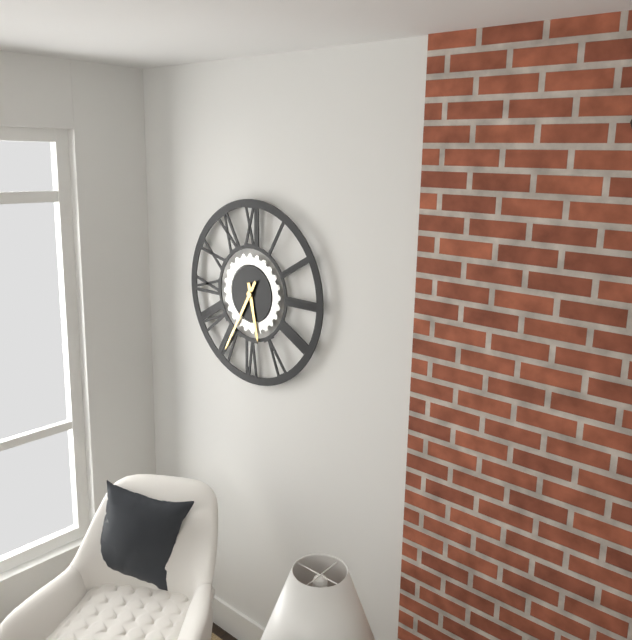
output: 5.35
